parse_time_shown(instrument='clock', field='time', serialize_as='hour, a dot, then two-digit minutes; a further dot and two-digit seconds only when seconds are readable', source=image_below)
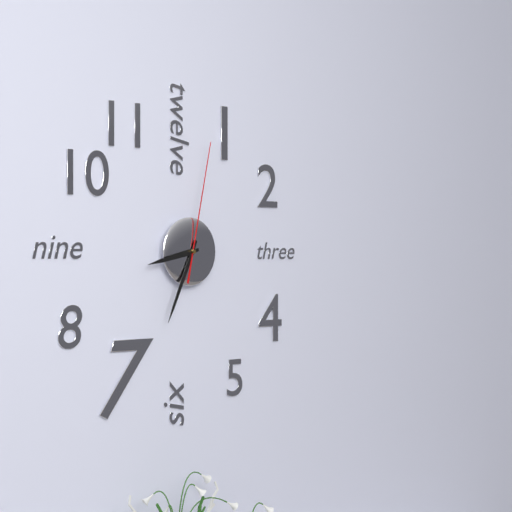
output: 8.34.02
